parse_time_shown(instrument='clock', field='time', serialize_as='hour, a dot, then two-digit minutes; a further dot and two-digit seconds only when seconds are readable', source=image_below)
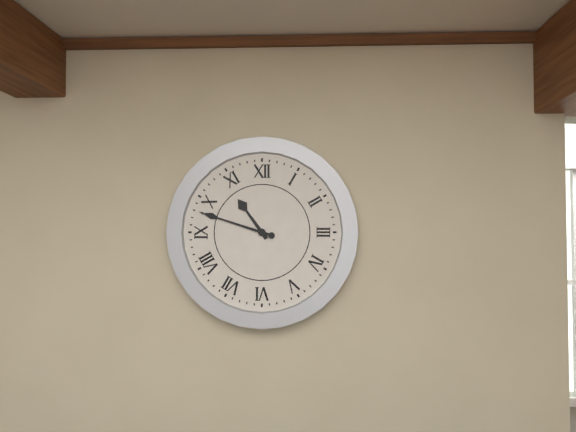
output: 10.48
